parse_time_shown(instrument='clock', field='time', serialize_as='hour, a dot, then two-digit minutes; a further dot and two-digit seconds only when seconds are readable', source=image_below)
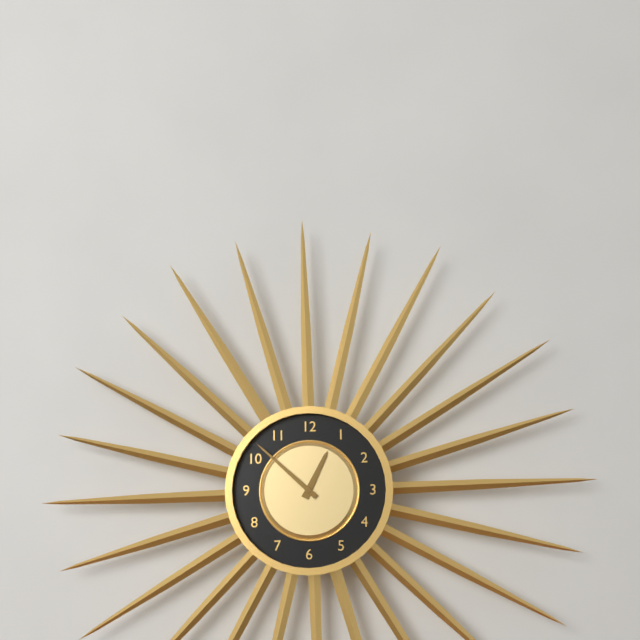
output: 12.52
